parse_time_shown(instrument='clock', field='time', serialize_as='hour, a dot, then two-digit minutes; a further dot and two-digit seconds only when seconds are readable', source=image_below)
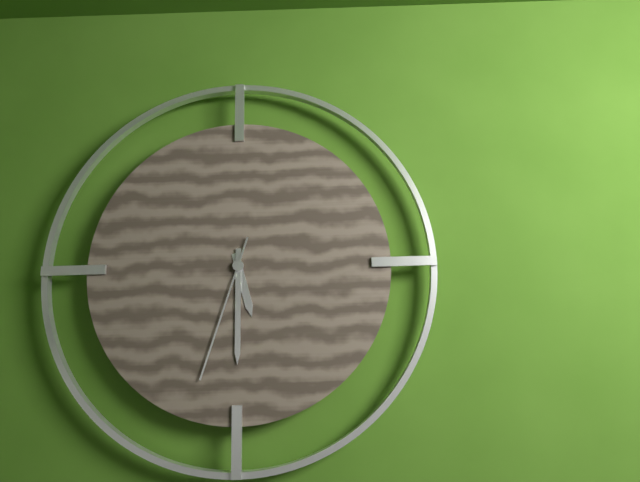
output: 5.30.33
